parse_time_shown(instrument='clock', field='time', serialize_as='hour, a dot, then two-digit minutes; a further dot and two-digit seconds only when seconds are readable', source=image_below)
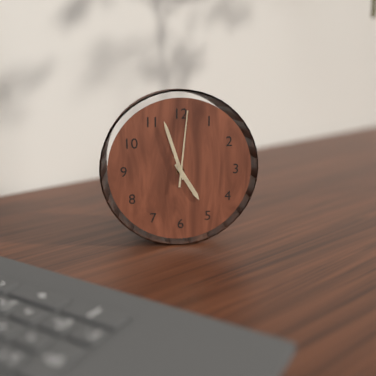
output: 4.57.01
